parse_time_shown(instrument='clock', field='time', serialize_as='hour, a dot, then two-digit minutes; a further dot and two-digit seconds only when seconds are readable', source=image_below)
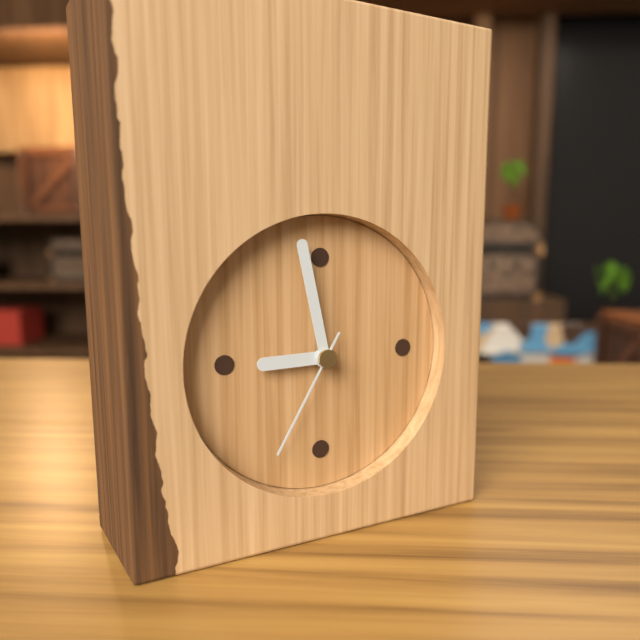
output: 8.58.35
